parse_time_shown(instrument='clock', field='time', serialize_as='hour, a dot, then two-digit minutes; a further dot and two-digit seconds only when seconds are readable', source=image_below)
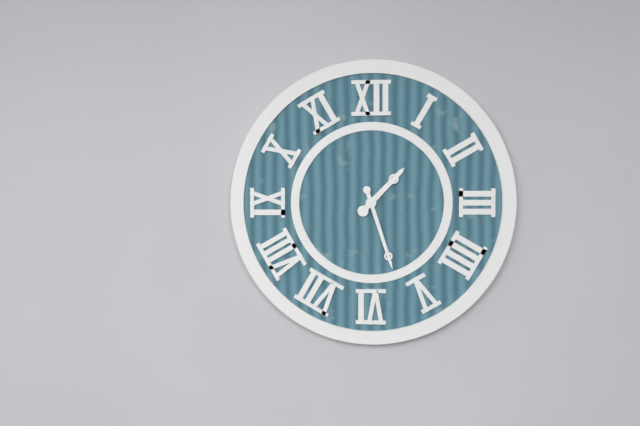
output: 1.27
